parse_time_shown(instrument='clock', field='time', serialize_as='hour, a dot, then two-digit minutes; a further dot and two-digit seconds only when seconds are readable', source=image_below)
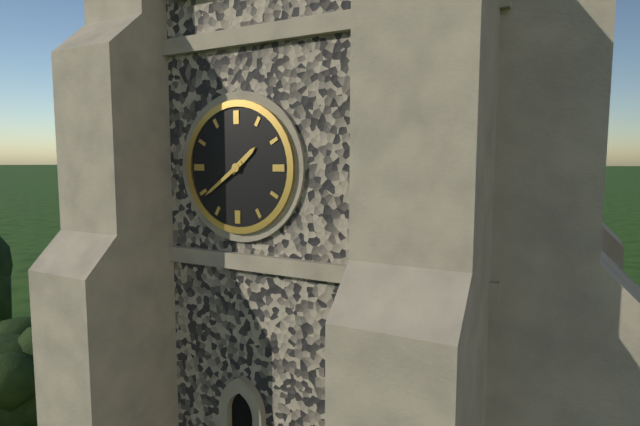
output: 1.39
